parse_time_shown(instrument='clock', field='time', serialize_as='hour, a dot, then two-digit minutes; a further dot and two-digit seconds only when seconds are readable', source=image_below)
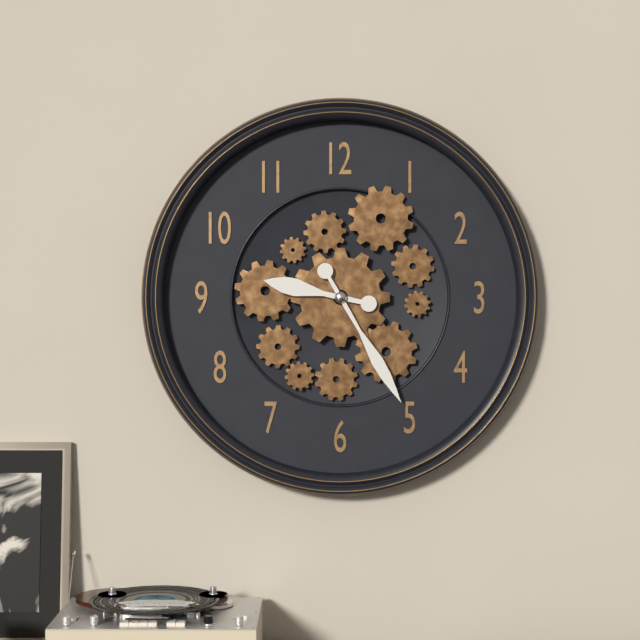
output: 9.25
